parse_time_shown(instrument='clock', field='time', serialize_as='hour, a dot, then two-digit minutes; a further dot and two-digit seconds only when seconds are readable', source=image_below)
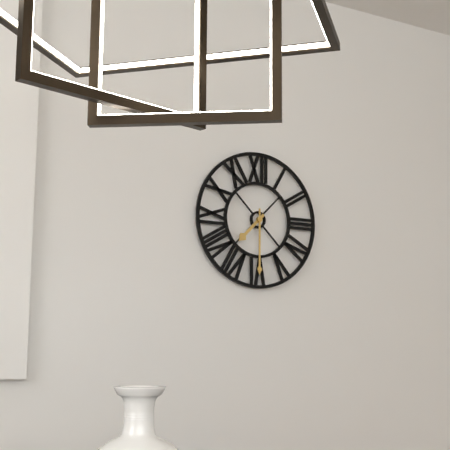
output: 7.30
